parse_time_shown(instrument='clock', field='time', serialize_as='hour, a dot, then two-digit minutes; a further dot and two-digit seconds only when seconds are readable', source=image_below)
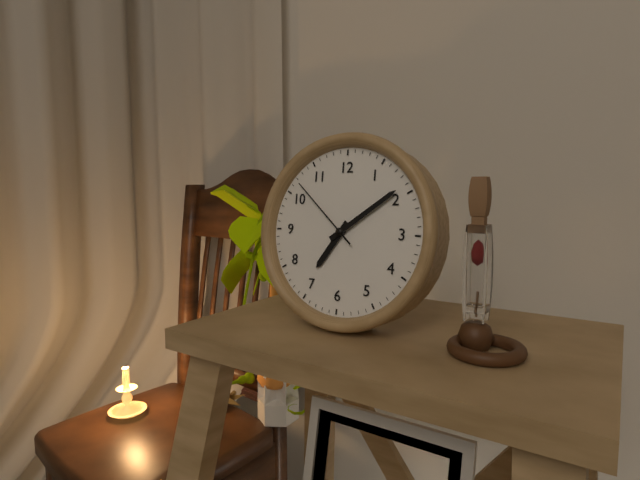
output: 7.09.52
